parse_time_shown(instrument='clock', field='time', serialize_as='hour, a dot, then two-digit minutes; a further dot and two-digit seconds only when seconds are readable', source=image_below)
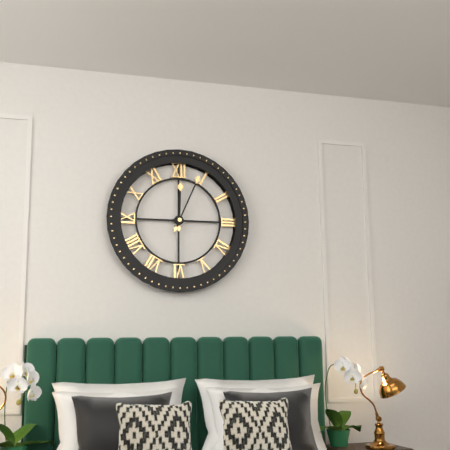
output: 12.04
